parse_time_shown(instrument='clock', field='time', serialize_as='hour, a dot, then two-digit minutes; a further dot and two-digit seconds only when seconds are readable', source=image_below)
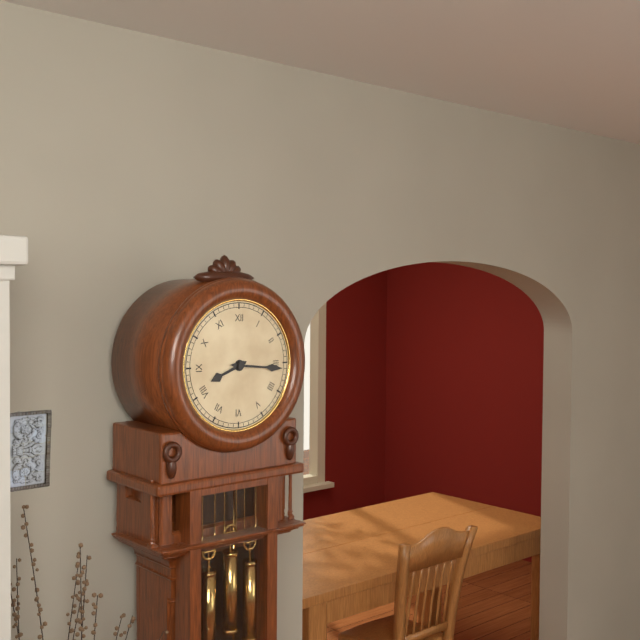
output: 8.16
